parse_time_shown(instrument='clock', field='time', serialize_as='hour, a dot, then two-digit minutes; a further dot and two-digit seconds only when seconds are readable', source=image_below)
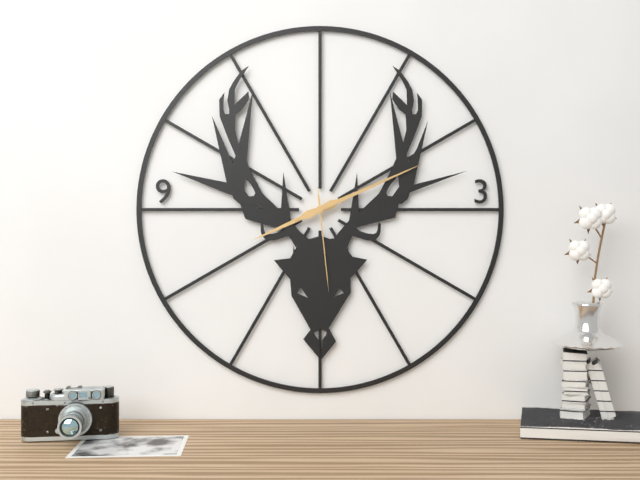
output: 8.11.29
